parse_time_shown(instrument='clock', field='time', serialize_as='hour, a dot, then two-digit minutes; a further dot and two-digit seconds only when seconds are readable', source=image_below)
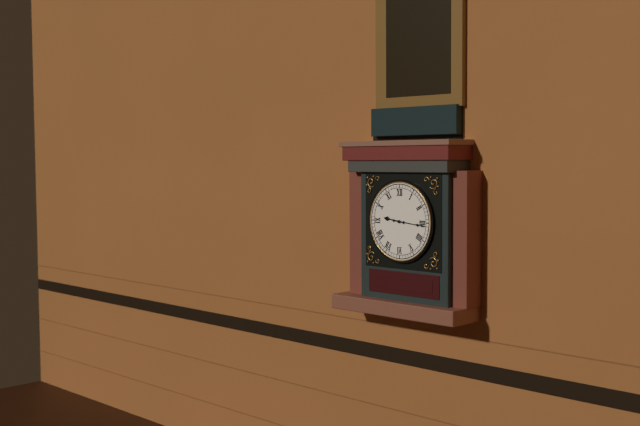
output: 9.16
